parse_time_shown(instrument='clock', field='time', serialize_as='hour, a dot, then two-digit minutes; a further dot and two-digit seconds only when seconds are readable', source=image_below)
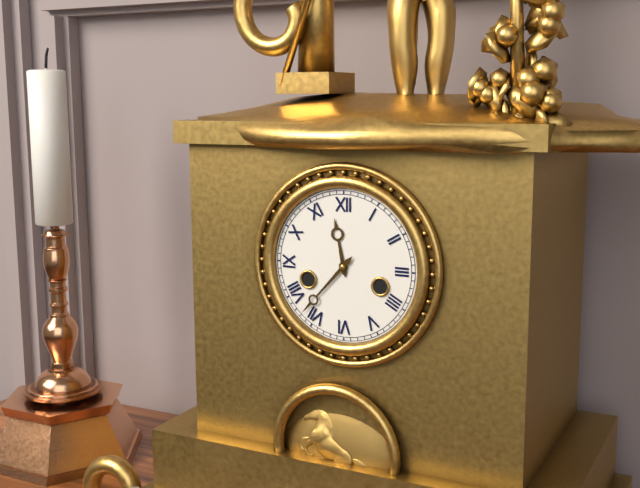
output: 11.37
